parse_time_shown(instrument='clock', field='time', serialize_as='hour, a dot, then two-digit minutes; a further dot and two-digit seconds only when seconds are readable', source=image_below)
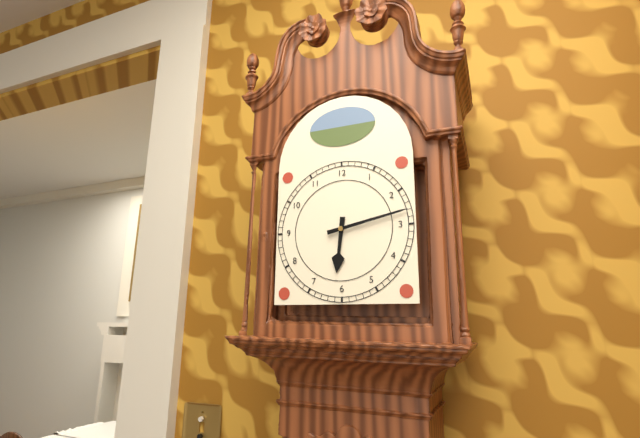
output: 6.13
